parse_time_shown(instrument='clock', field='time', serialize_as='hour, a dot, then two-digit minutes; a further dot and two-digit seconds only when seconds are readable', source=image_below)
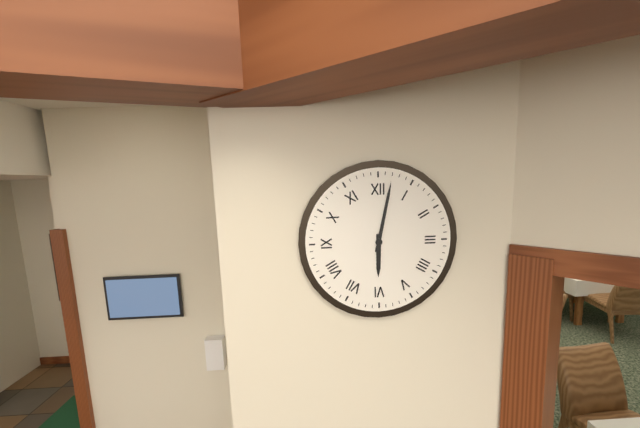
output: 6.02
